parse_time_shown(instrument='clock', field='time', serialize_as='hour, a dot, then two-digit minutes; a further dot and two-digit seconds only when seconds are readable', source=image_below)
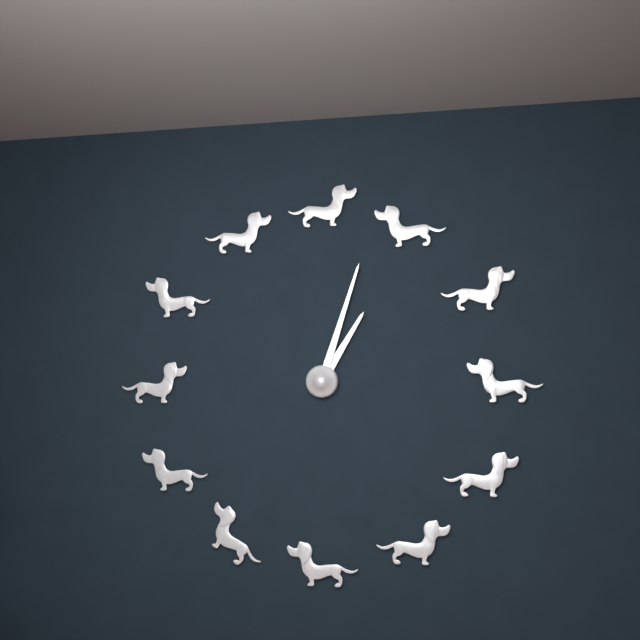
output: 1.03
